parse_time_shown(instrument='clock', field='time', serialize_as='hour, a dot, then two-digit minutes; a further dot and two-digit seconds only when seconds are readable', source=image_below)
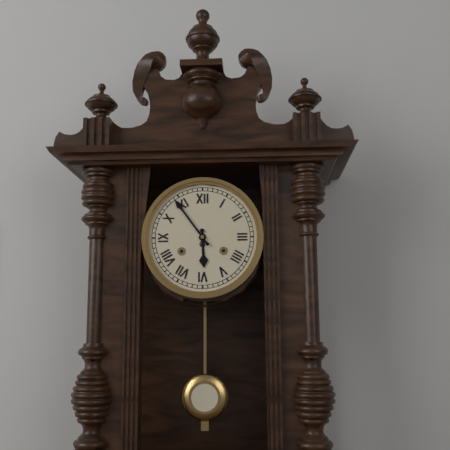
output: 5.54
